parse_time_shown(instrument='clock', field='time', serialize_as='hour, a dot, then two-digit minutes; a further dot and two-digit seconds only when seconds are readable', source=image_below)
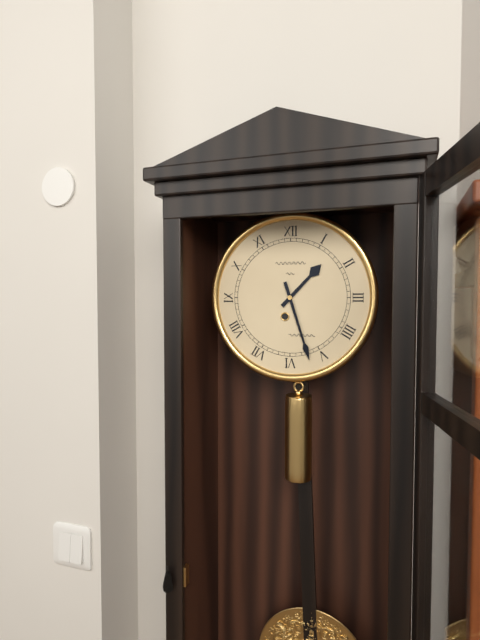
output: 1.27
